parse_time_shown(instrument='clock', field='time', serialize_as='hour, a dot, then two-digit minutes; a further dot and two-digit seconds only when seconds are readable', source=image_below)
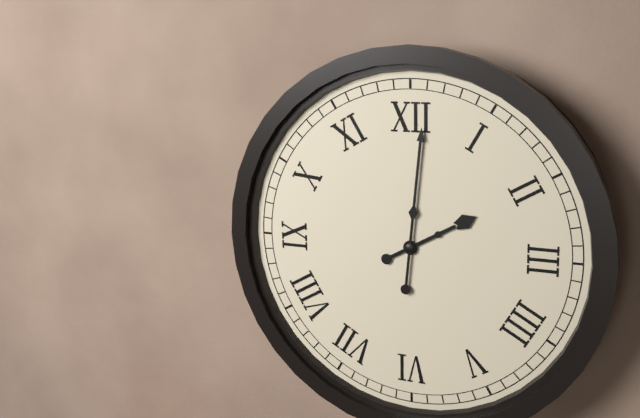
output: 2.01
